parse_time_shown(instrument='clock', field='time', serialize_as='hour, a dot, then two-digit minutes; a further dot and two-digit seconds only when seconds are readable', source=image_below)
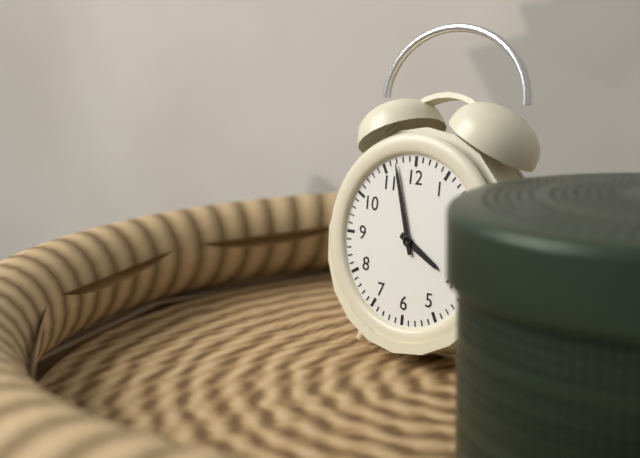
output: 3.57
